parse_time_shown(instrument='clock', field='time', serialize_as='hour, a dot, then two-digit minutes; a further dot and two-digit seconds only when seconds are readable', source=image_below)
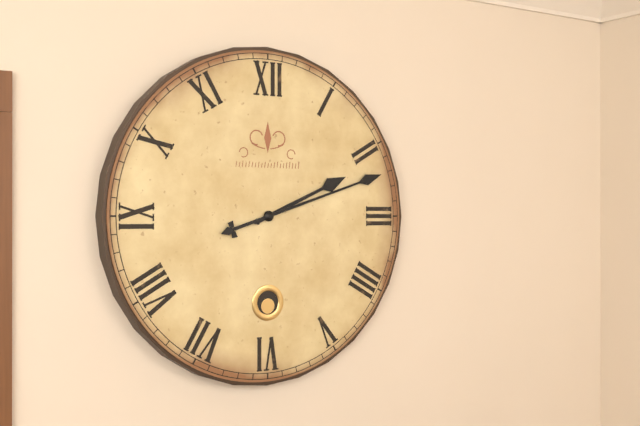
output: 2.12
